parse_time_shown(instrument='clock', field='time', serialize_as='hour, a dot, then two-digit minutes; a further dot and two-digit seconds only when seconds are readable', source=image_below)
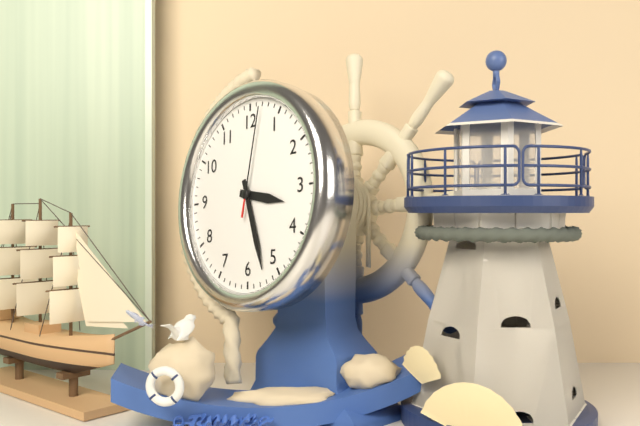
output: 3.27.02
